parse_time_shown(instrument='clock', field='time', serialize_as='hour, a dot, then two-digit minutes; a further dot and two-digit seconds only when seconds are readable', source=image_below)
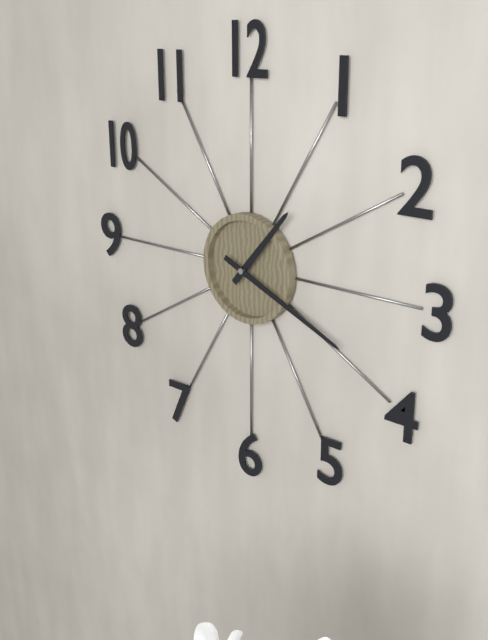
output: 1.19
